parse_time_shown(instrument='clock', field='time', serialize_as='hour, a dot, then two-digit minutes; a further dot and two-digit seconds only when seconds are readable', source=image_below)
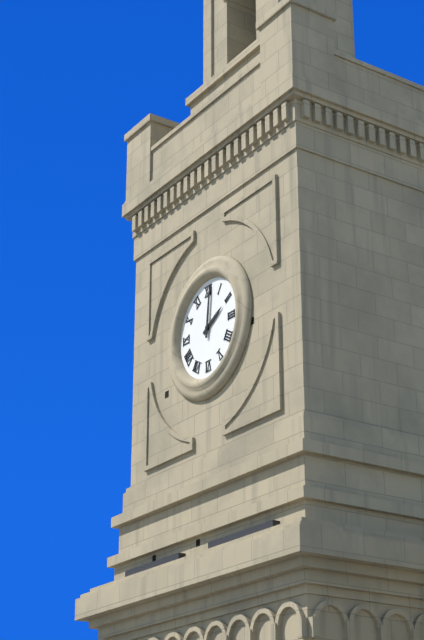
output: 2.01
